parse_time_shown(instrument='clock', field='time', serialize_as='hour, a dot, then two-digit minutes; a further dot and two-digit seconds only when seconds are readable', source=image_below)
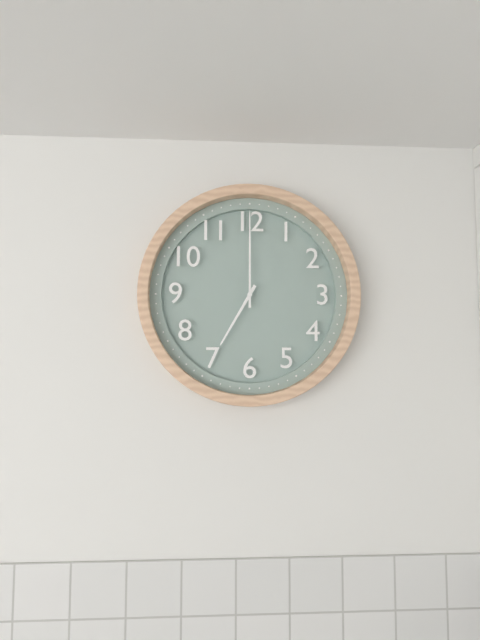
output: 7.00
